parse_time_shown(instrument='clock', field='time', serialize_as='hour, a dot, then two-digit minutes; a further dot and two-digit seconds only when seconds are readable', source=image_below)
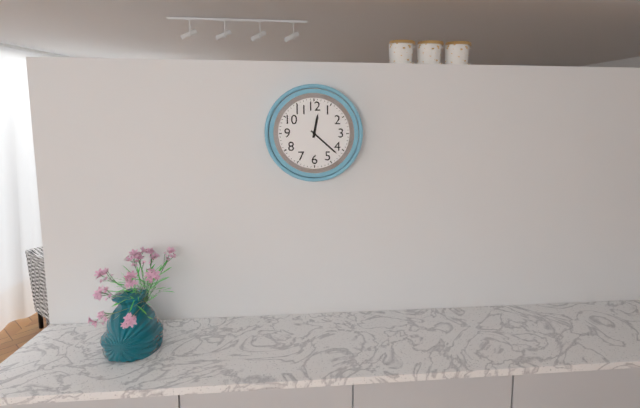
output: 12.22
